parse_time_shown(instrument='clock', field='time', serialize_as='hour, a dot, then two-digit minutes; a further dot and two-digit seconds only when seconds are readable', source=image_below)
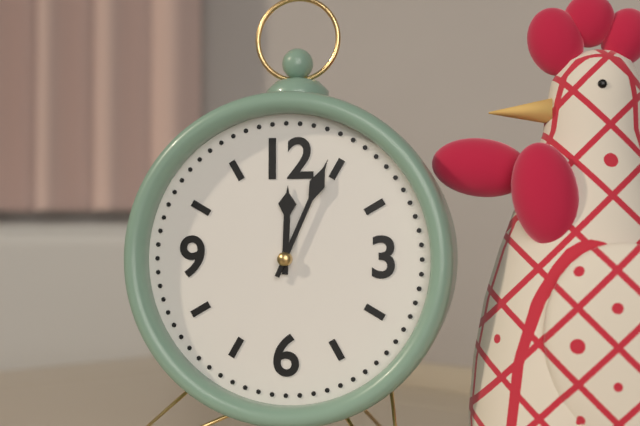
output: 12.04
